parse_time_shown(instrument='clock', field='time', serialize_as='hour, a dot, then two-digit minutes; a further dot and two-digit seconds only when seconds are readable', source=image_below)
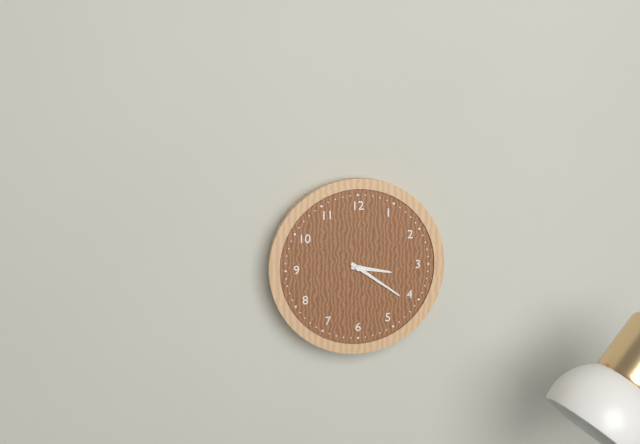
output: 3.21
